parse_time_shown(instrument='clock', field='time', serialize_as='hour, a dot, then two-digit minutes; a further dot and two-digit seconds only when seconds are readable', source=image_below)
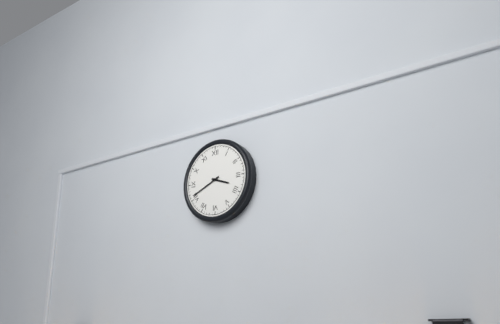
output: 3.41
